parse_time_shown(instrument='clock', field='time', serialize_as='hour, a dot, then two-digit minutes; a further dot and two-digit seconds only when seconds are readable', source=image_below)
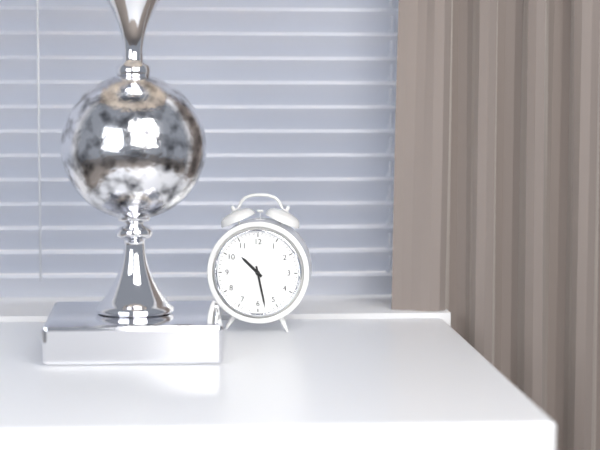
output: 10.28
